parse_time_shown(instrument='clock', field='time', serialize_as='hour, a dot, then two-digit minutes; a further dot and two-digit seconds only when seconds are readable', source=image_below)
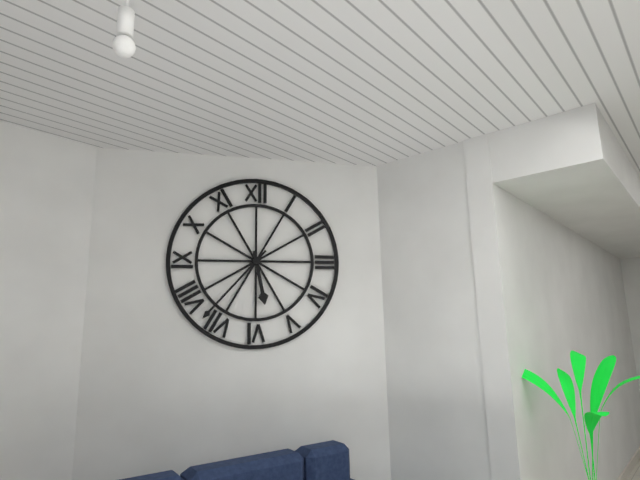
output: 5.37
